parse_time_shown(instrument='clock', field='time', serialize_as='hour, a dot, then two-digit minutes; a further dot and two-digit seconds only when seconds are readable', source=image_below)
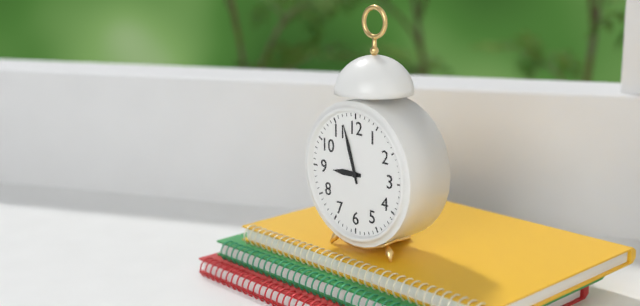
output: 8.57
